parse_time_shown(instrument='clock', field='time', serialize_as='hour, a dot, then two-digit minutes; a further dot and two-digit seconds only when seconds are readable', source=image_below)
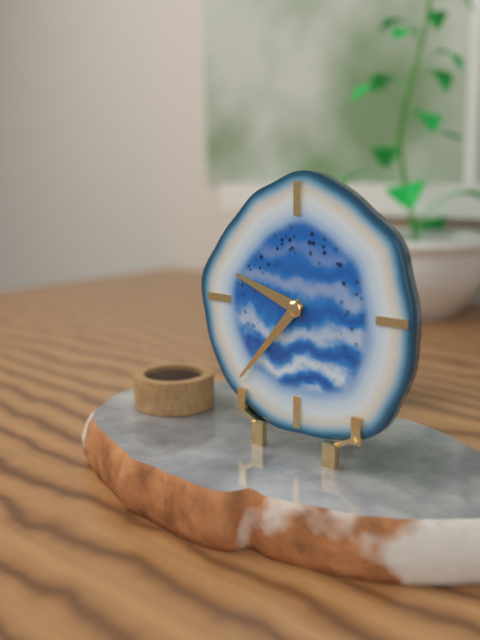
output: 9.37
